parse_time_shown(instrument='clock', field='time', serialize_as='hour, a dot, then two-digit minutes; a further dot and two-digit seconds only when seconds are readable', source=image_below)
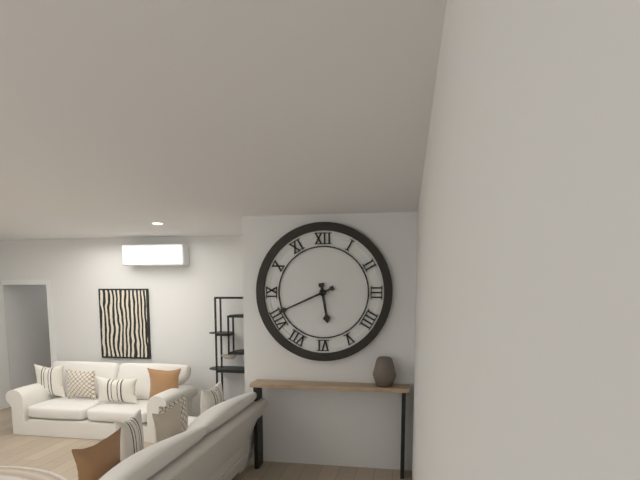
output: 5.41
